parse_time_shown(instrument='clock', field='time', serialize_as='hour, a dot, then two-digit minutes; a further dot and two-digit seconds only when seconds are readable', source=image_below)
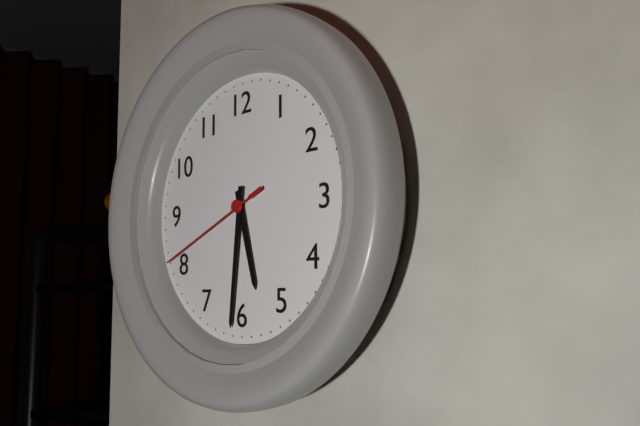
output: 5.31.41
